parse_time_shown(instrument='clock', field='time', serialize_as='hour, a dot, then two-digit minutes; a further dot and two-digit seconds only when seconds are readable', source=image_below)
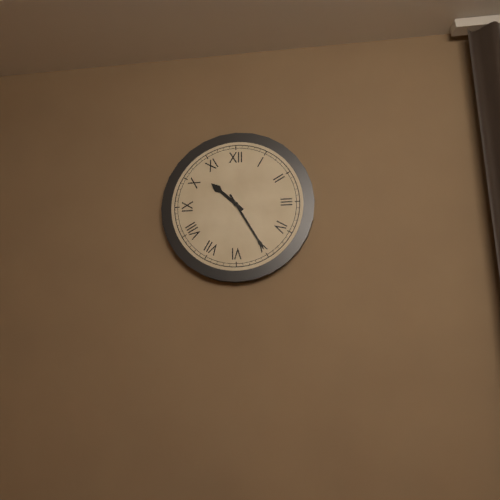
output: 10.25
